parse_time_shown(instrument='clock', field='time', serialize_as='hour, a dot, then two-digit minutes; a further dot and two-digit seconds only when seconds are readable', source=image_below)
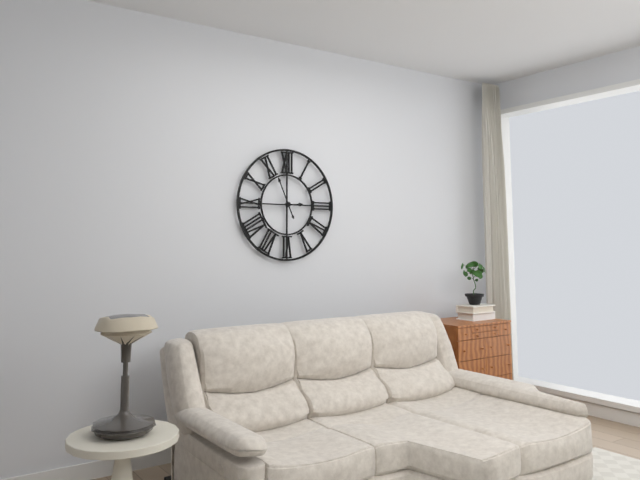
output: 2.56
